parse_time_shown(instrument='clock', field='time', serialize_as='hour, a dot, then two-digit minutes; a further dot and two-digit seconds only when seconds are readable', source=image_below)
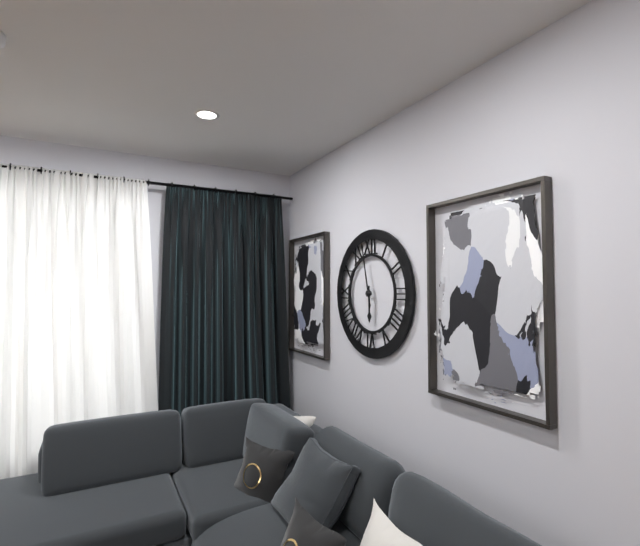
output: 5.58
